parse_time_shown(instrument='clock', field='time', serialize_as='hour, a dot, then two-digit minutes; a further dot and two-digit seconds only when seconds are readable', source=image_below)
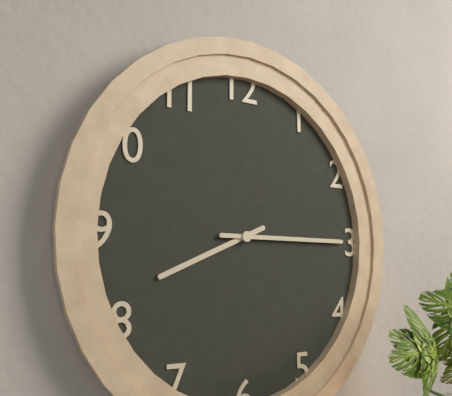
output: 8.15
